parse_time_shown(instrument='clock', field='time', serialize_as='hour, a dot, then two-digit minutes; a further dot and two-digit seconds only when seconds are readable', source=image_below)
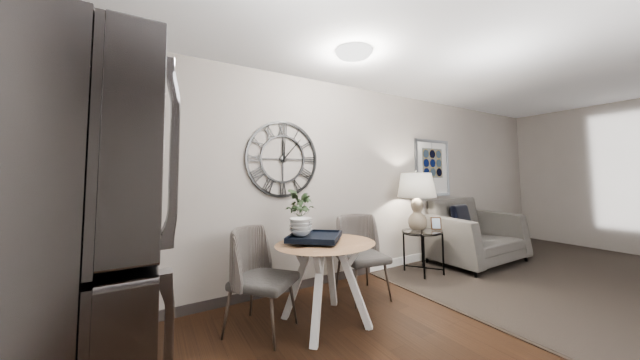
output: 12.07
